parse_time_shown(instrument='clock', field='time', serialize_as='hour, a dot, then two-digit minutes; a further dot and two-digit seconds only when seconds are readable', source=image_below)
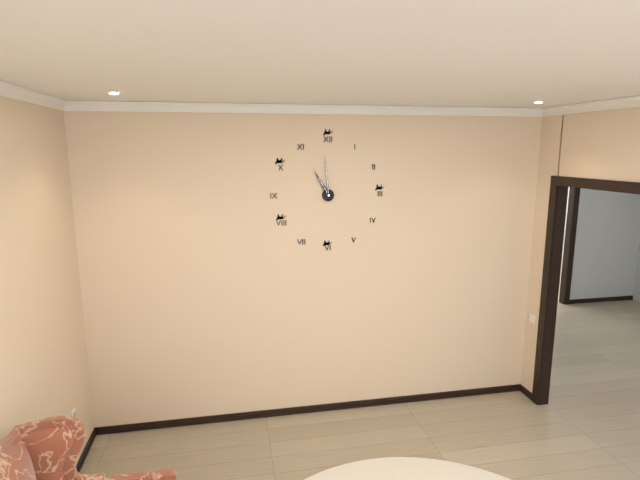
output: 10.59
